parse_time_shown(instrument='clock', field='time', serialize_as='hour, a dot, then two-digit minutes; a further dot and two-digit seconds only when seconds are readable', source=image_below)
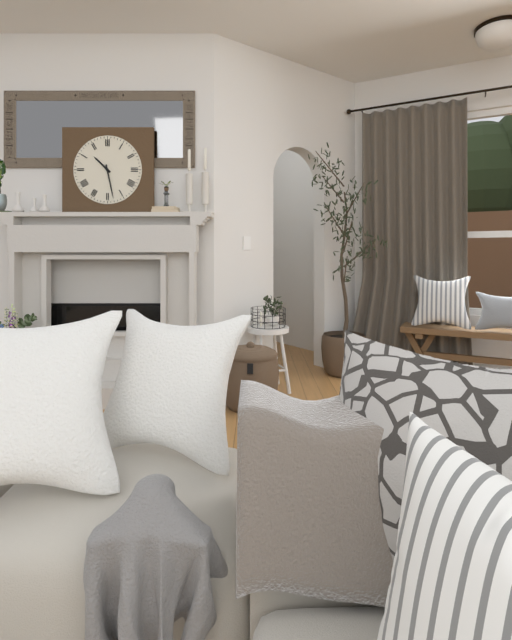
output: 10.28
